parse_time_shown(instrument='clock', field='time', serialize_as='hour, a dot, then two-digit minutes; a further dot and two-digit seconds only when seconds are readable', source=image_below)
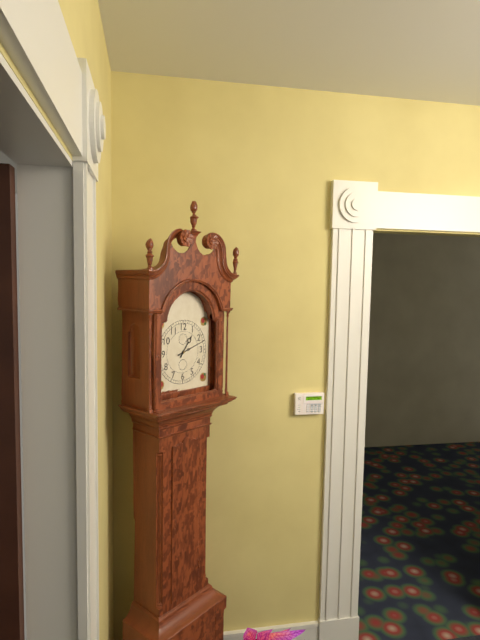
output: 1.12
